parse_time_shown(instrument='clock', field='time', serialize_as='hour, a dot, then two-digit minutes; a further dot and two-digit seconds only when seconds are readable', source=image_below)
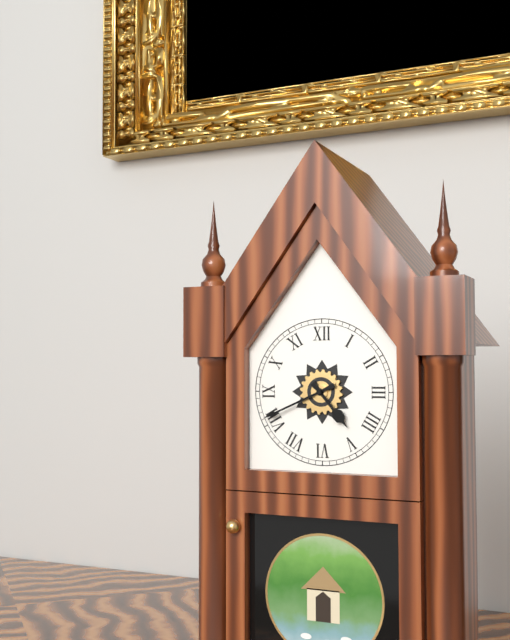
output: 4.41
